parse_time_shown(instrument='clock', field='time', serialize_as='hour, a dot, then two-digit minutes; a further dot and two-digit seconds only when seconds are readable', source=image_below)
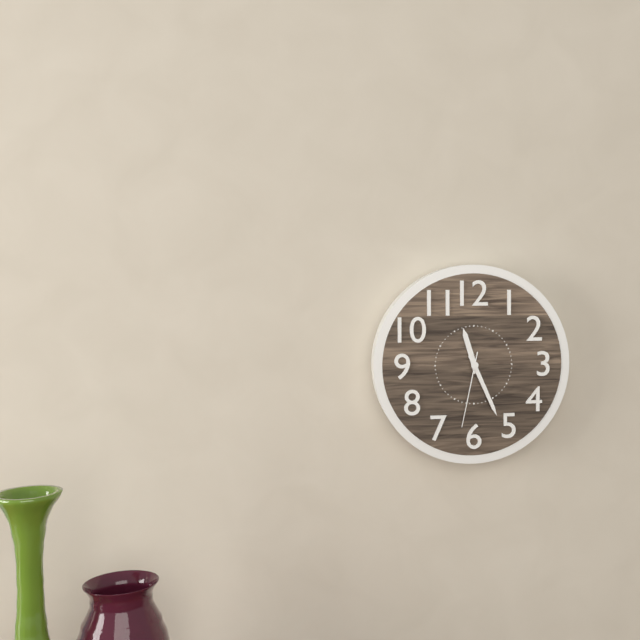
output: 11.26.32
